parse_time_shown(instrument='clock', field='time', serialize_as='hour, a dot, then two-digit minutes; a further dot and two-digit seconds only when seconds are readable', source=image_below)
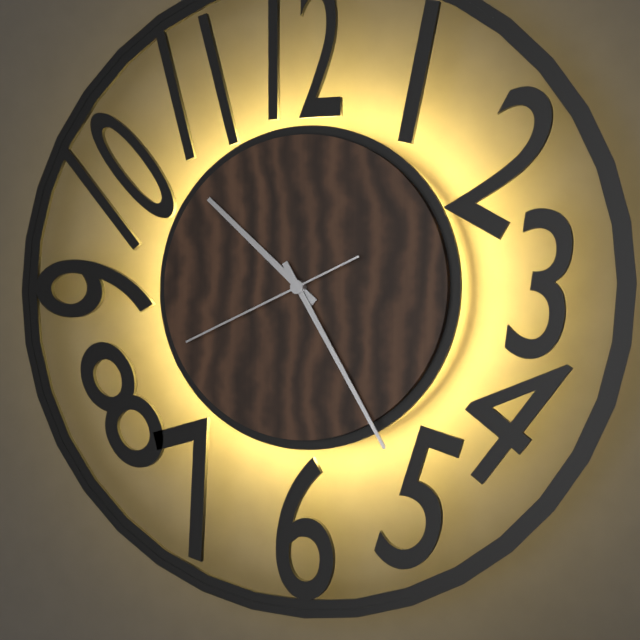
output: 10.25.41
